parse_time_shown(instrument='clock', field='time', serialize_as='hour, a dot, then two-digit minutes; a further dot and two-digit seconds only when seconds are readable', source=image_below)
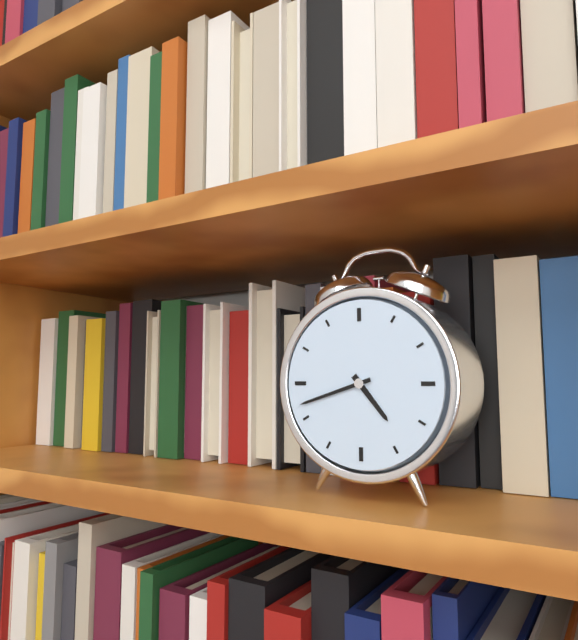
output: 4.42
